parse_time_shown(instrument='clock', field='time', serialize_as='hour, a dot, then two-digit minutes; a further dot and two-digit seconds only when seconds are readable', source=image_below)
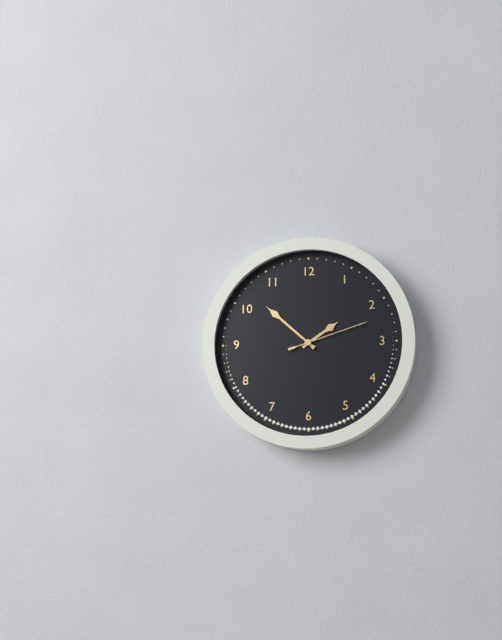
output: 1.52.12
